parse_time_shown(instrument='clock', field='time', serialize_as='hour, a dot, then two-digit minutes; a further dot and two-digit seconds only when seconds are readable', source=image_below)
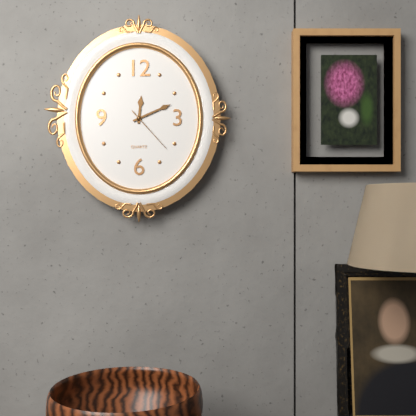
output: 12.11
